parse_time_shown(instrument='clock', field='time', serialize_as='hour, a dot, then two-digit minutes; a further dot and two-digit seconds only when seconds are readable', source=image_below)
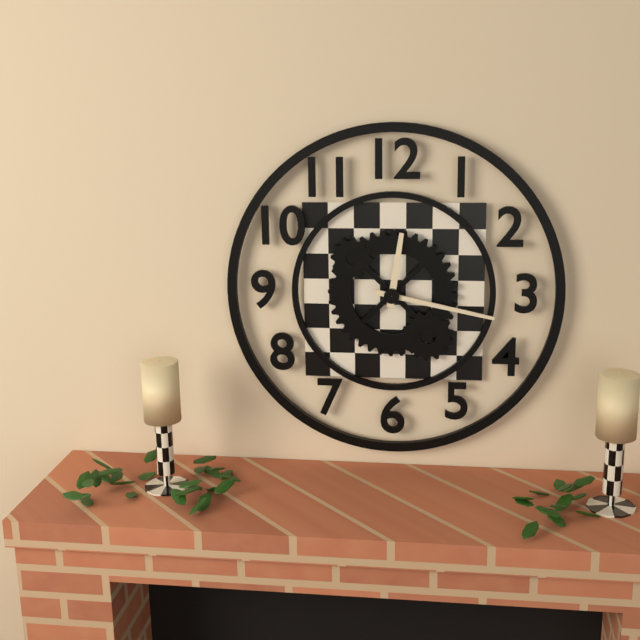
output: 12.17
